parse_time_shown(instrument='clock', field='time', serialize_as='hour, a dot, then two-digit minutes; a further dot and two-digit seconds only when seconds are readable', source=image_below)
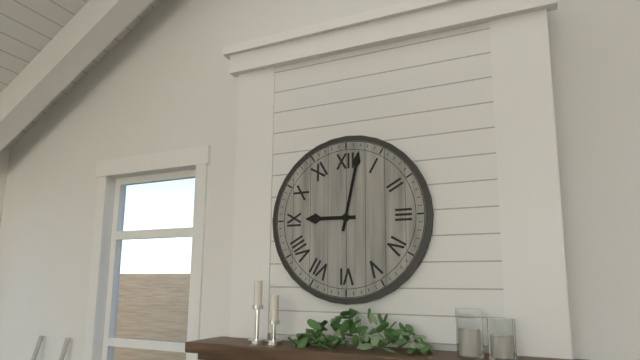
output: 9.02
